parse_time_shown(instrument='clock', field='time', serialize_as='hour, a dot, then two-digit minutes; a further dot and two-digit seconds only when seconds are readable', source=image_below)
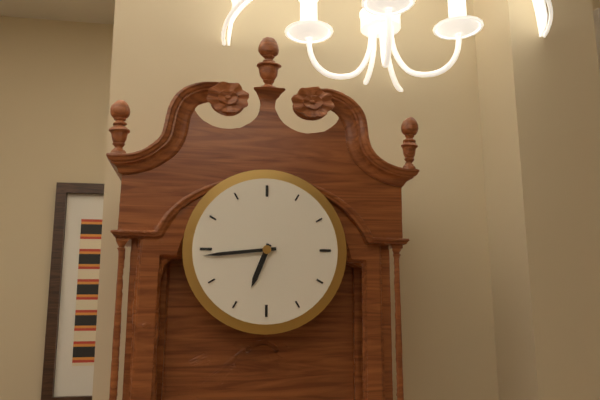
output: 6.44
